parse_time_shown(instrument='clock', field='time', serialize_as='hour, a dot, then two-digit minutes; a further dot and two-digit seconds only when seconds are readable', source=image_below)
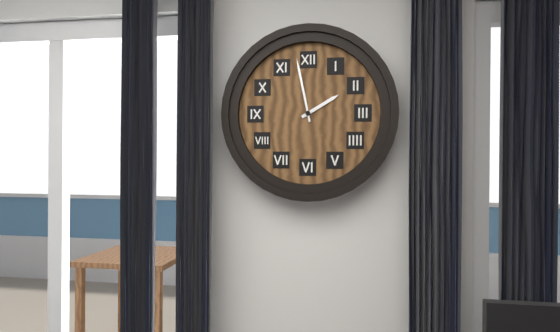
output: 1.58
